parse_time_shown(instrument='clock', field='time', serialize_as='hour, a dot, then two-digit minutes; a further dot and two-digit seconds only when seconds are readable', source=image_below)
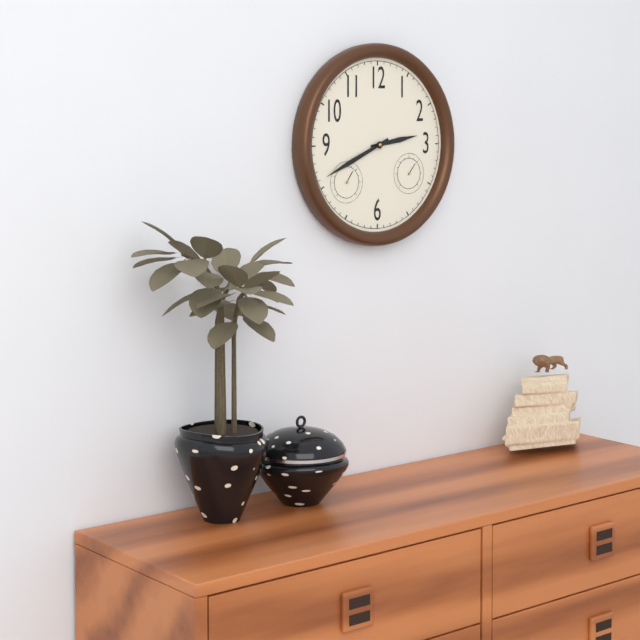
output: 2.41
